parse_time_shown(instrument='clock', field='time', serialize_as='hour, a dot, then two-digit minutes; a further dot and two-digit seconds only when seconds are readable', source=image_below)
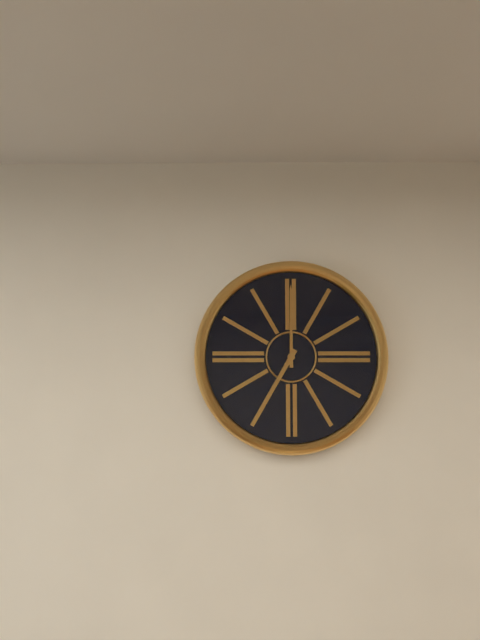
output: 7.00
